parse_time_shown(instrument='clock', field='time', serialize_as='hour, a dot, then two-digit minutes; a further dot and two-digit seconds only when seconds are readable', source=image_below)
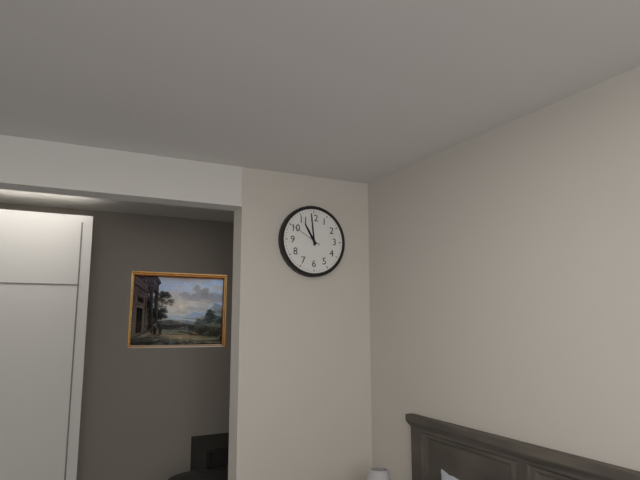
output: 10.59
